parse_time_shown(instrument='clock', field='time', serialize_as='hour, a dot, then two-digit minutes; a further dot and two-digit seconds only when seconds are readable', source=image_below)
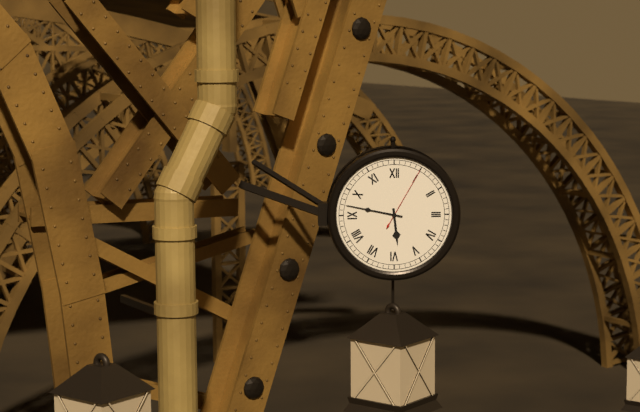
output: 5.47.05
